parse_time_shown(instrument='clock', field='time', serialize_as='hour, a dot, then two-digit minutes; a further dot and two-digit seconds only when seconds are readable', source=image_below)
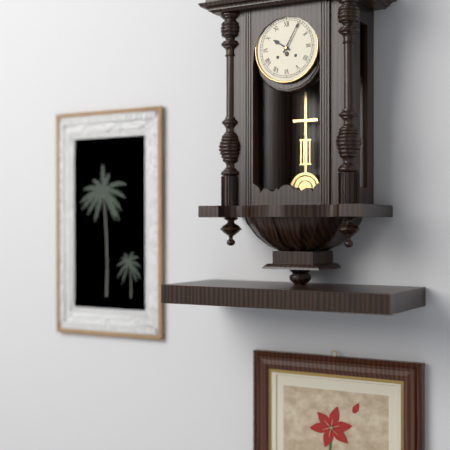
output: 10.05
